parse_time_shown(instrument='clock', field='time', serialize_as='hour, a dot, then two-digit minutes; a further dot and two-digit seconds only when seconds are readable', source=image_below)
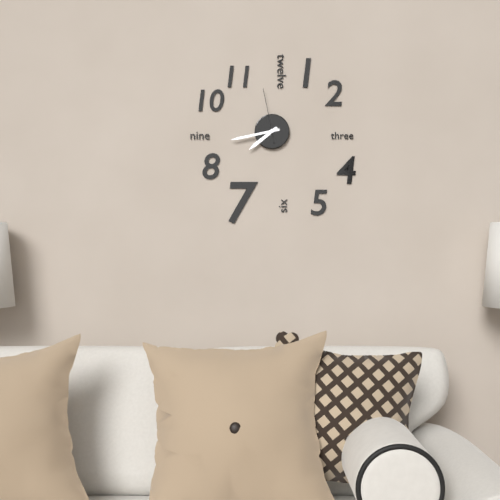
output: 7.43.58
